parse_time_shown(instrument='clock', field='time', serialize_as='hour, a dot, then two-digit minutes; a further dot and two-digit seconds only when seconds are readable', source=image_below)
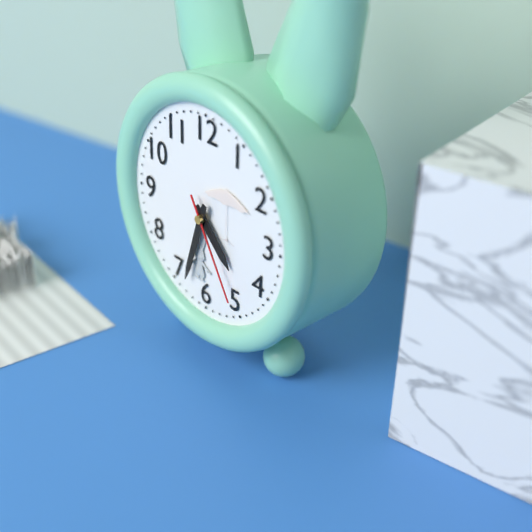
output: 4.33.25
